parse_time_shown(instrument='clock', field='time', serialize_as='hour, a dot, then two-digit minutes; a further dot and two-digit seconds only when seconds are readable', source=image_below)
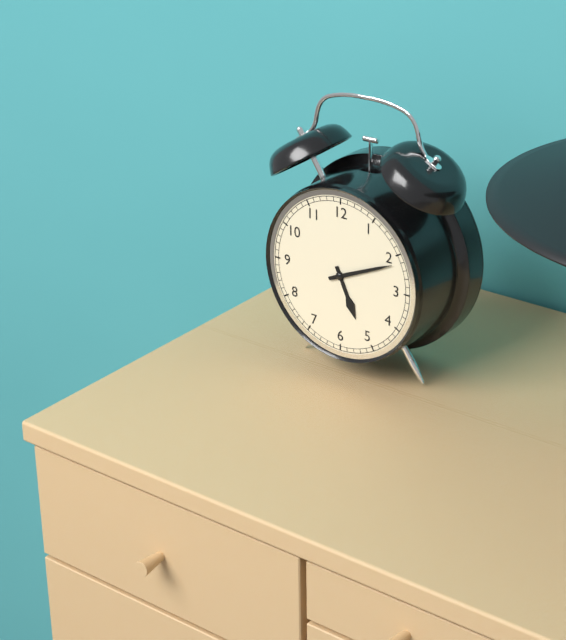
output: 5.11
